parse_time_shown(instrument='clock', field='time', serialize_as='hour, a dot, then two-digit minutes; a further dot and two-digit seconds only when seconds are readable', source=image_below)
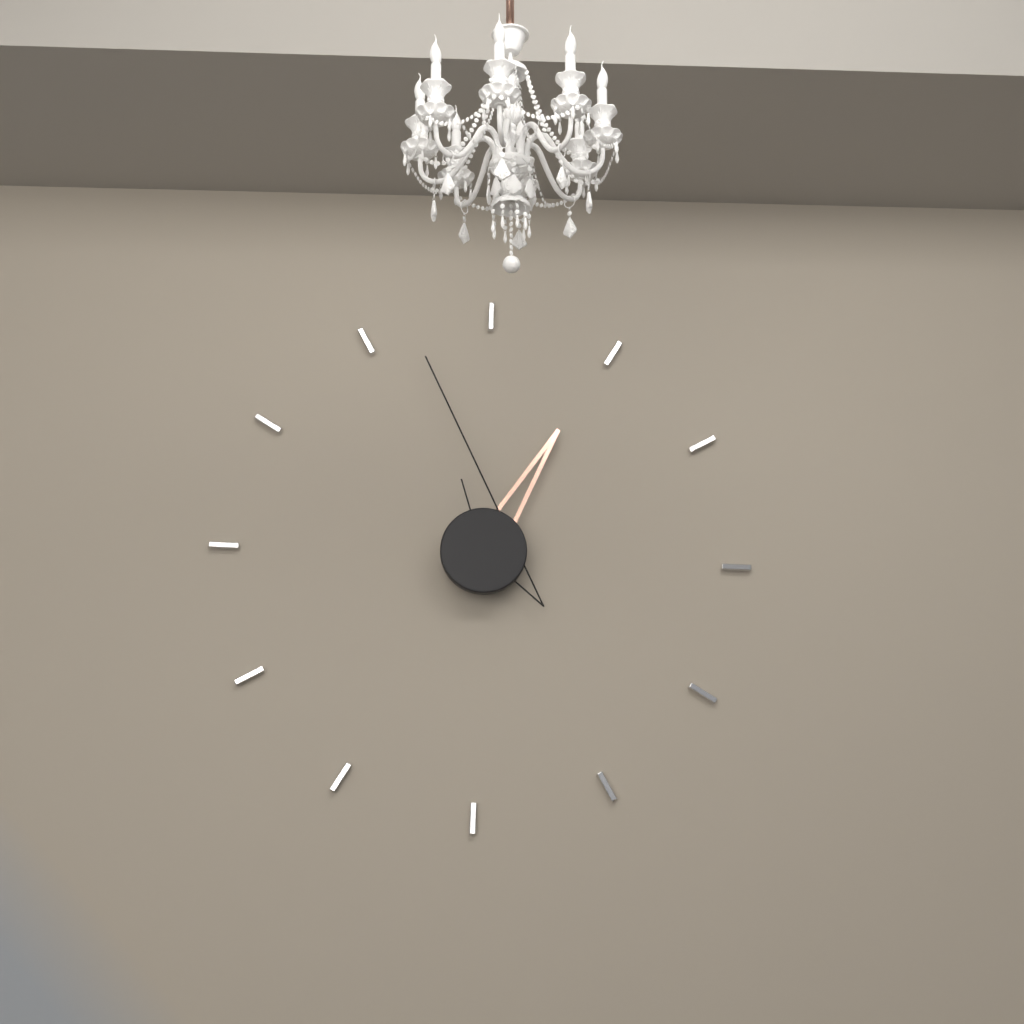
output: 12.57
